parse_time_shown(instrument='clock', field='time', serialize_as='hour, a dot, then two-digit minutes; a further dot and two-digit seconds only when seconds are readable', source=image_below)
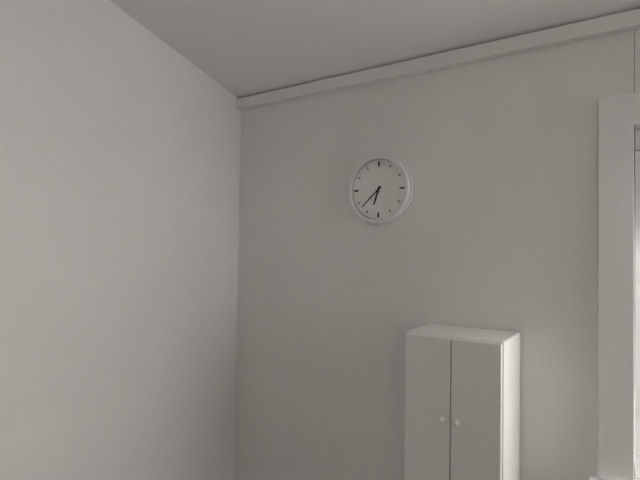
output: 6.38
